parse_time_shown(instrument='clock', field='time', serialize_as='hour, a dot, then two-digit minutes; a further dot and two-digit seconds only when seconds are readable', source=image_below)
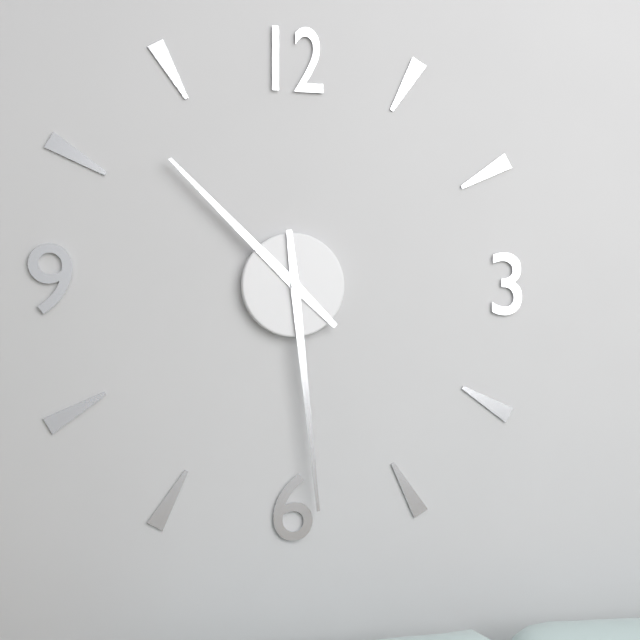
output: 10.29
